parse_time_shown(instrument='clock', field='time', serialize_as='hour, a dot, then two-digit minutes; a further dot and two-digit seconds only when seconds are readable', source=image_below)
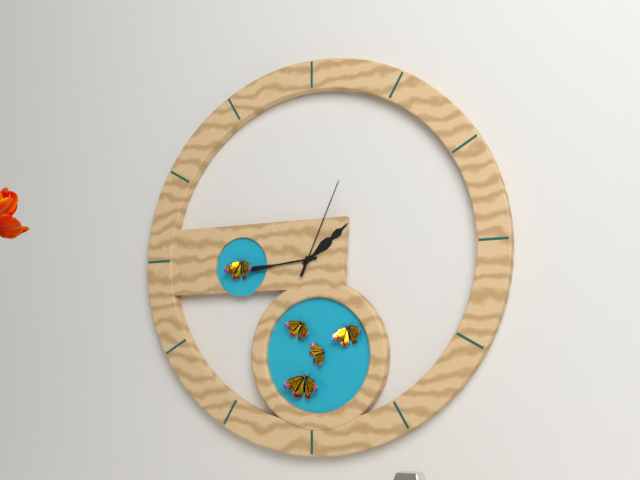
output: 1.44.04
